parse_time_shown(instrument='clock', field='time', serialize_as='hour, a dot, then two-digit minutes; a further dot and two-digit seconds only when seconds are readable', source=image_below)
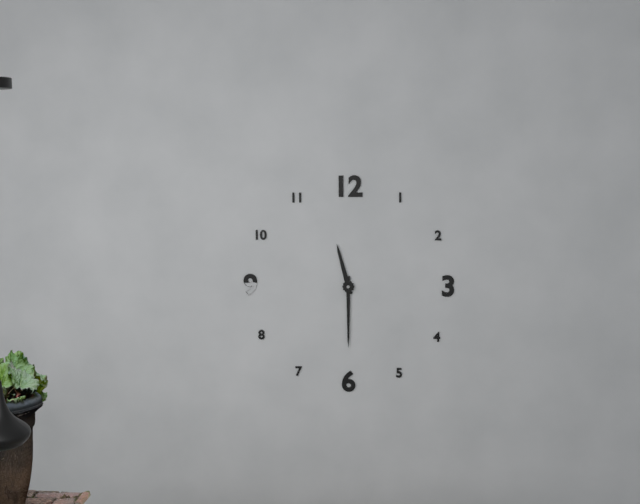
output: 11.30
